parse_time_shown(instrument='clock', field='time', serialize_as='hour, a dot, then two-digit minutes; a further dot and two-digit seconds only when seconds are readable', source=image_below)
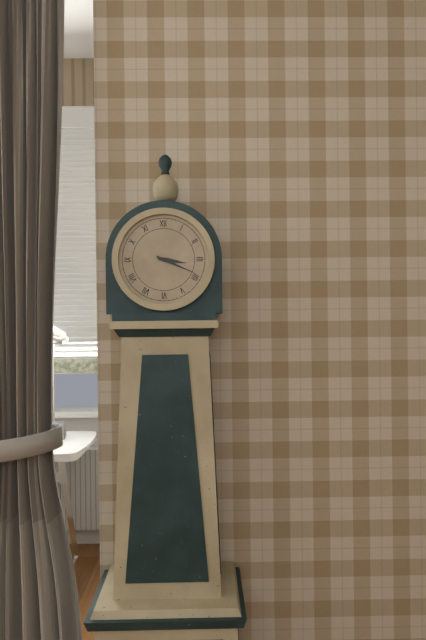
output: 3.19
